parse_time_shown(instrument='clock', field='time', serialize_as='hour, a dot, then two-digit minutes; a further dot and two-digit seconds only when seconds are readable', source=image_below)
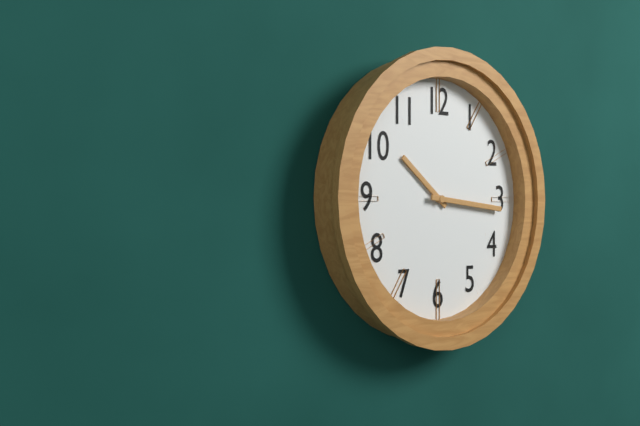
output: 10.16
